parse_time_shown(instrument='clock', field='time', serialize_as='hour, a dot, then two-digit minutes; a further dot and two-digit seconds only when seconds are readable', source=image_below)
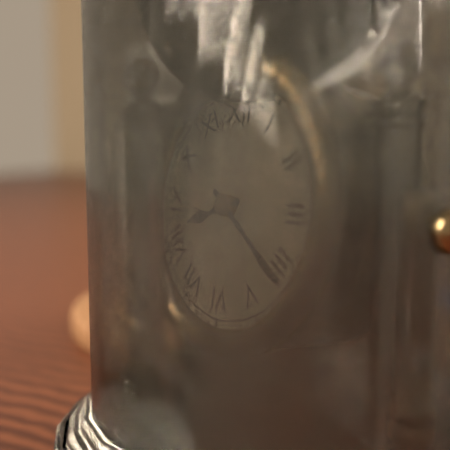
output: 8.21
